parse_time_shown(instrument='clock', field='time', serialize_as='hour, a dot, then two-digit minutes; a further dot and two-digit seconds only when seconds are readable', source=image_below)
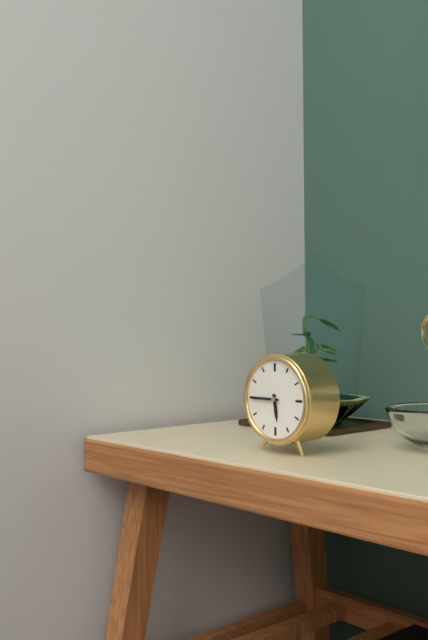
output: 5.45
